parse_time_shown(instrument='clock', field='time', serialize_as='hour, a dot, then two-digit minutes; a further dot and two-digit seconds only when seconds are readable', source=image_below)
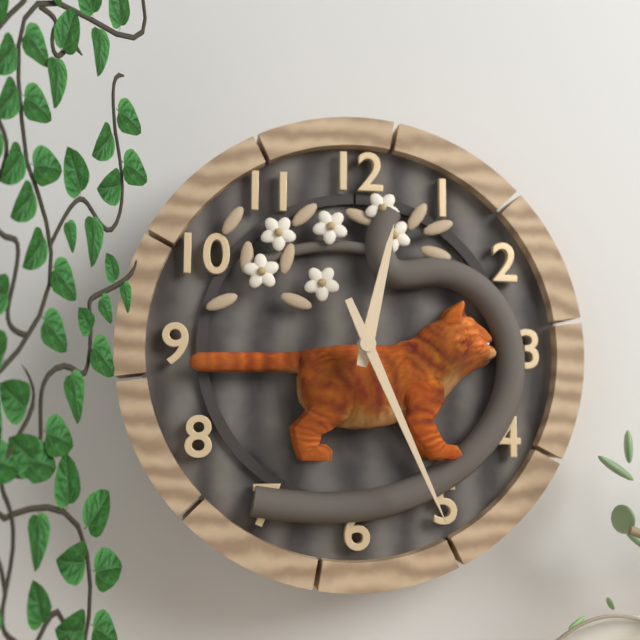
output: 12.26
